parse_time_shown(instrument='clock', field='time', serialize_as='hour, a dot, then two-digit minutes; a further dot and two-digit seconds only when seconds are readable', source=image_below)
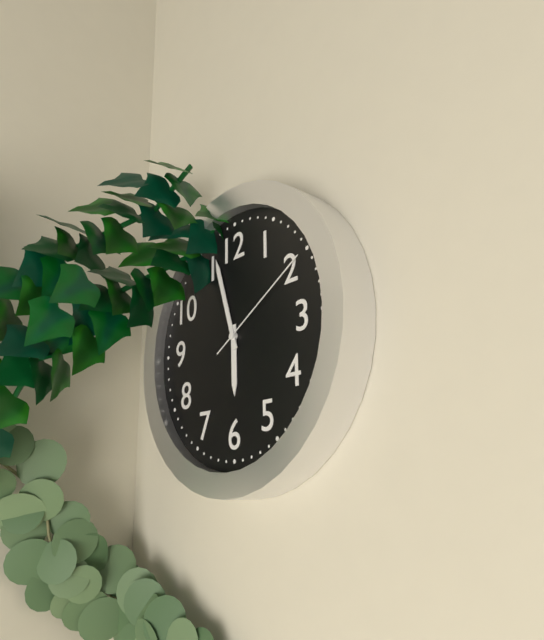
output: 5.57.10
